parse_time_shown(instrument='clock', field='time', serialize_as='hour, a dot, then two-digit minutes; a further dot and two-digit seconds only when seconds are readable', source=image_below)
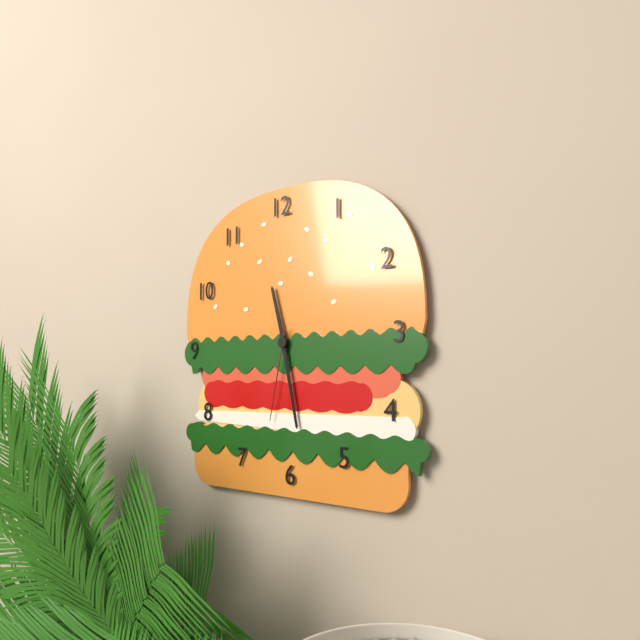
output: 11.28.32
